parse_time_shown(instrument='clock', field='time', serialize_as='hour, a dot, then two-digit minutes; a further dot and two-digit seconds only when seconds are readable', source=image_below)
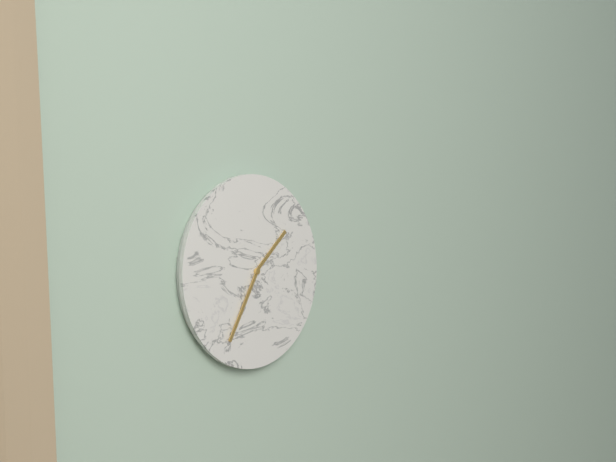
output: 1.35
